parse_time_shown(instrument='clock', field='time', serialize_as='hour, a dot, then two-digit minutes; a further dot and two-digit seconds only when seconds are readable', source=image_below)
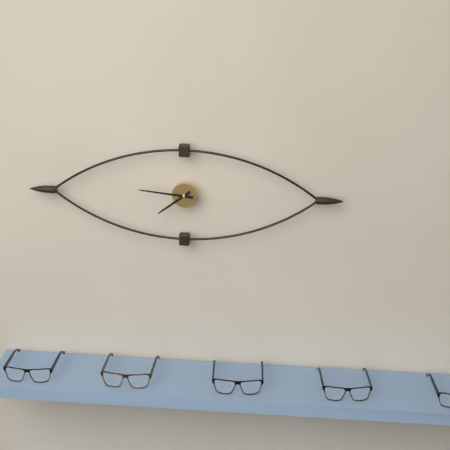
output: 7.46
